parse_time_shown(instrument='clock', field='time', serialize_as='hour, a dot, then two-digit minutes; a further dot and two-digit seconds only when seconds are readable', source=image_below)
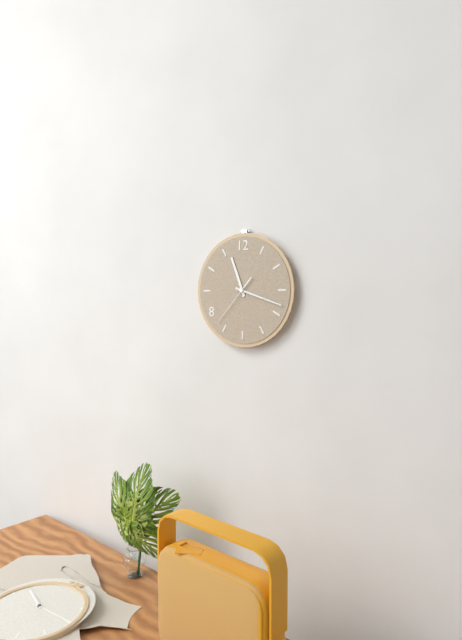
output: 11.18.37
